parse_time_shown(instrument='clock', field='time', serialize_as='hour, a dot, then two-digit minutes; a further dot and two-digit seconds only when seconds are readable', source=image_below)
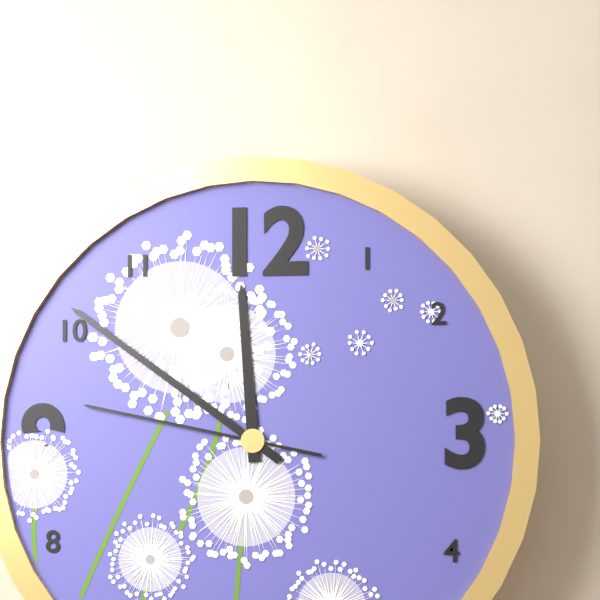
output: 11.51.47
